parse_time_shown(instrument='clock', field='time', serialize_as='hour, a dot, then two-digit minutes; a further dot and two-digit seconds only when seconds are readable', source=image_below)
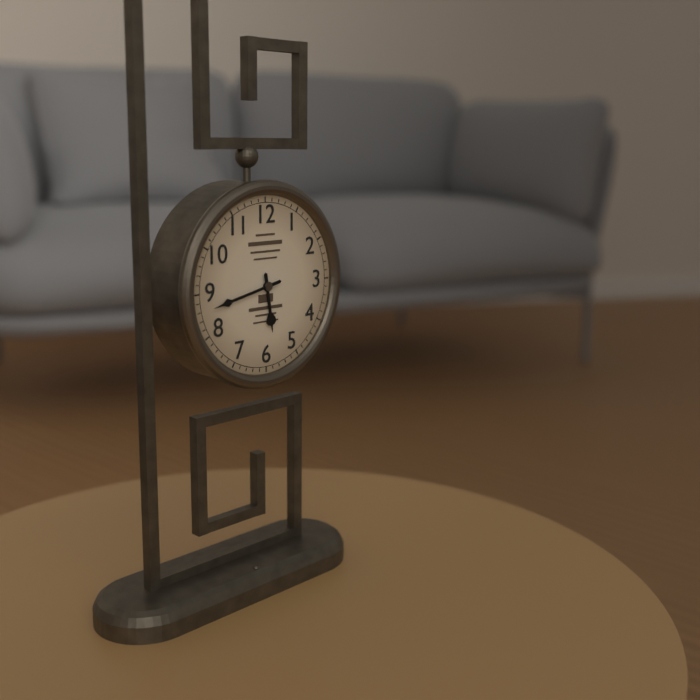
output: 5.43
